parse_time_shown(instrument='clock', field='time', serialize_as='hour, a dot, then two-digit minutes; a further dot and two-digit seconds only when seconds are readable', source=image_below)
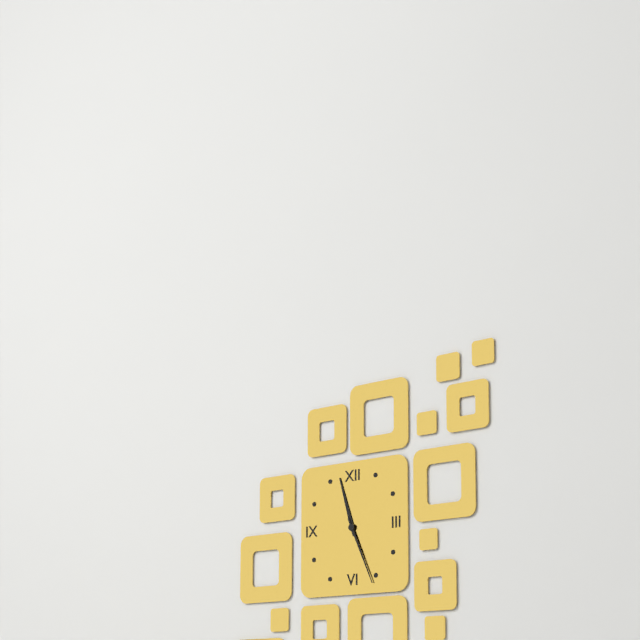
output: 11.26
